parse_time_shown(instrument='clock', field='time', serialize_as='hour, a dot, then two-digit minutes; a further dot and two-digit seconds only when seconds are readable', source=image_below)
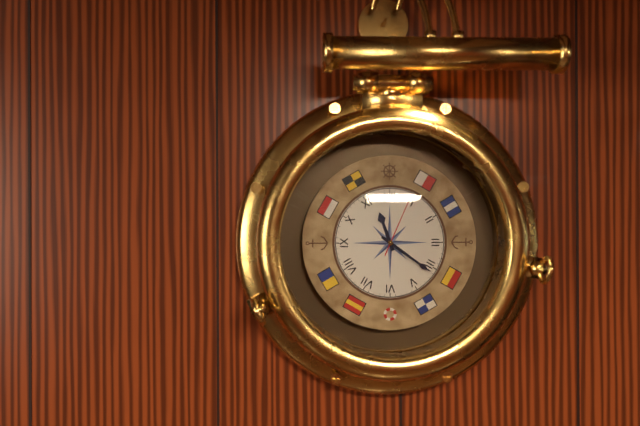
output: 11.21.04
